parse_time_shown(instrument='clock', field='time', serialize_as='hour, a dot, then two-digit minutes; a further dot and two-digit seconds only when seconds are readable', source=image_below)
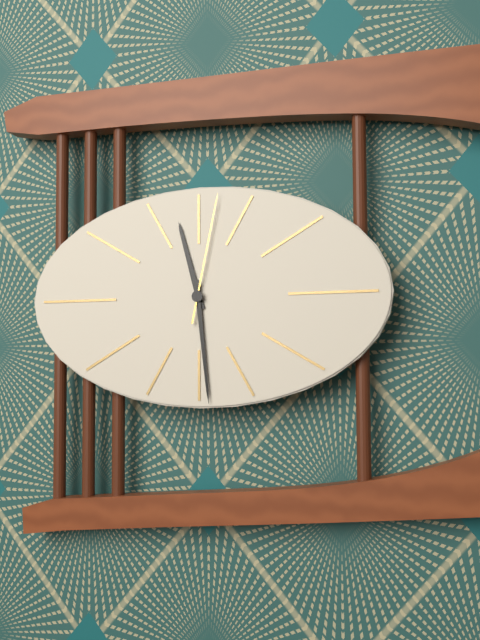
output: 11.29.02
